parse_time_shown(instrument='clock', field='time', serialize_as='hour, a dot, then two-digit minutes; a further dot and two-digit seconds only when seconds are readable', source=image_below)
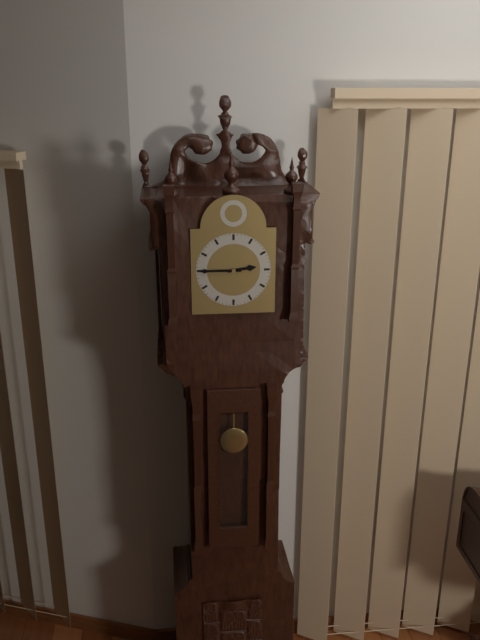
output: 2.45
